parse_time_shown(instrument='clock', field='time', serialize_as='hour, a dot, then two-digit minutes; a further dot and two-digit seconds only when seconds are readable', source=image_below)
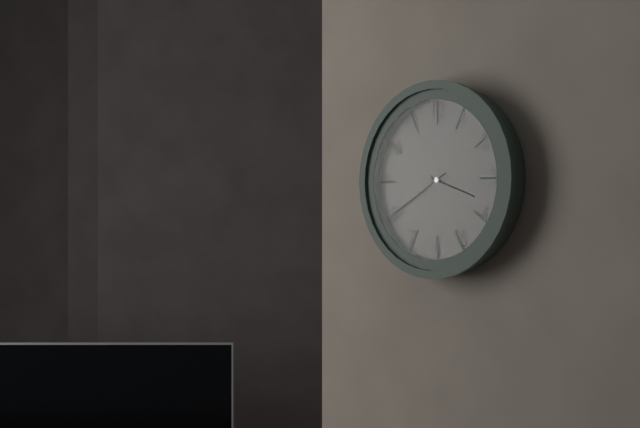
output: 3.40
